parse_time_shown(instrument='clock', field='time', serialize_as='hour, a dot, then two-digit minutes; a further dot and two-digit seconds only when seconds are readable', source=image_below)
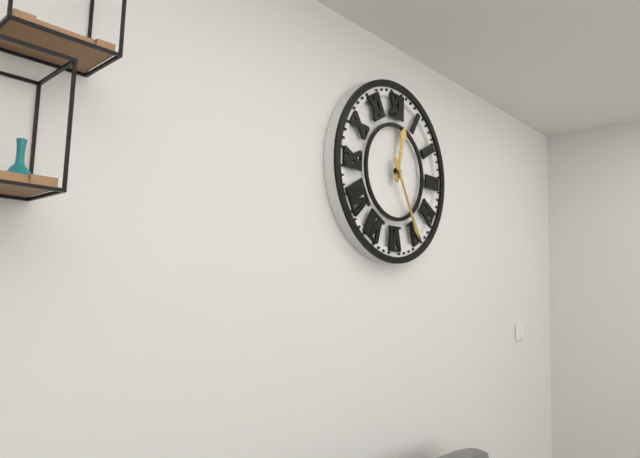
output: 12.25
